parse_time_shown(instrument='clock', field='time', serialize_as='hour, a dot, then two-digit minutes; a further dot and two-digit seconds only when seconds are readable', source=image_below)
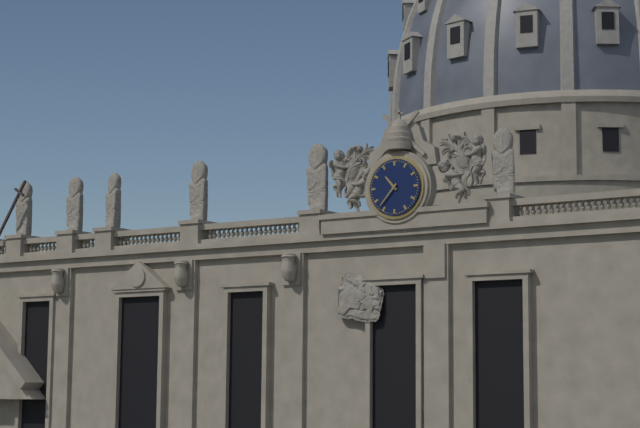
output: 10.37
